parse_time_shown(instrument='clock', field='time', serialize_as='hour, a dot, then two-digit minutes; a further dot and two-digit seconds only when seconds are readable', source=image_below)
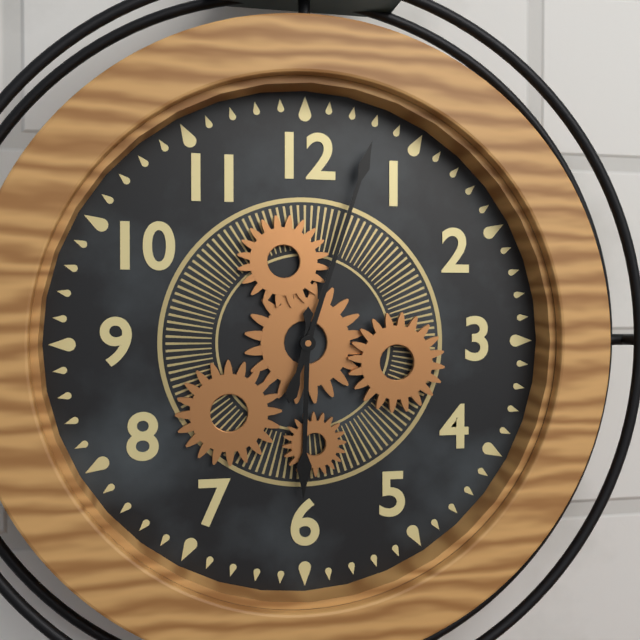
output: 6.03
